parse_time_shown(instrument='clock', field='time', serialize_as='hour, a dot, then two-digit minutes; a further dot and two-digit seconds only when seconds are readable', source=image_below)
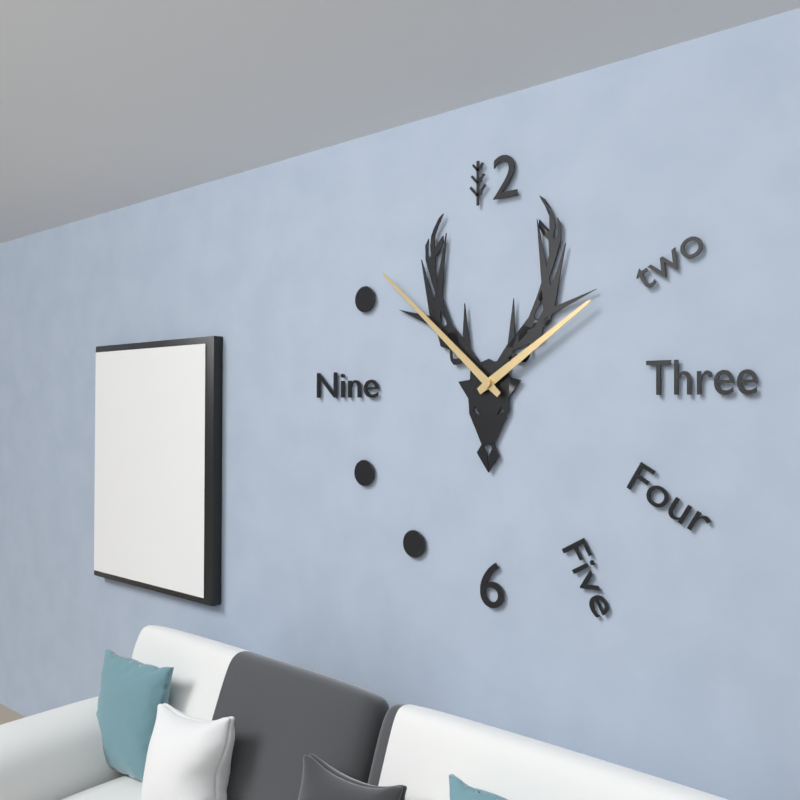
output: 1.52
